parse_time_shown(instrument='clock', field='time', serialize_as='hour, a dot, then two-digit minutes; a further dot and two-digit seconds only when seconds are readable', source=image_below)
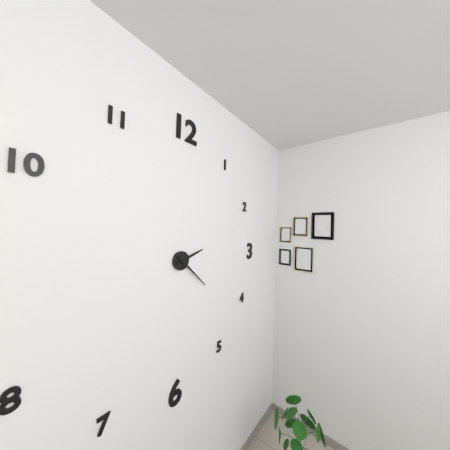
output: 2.22
